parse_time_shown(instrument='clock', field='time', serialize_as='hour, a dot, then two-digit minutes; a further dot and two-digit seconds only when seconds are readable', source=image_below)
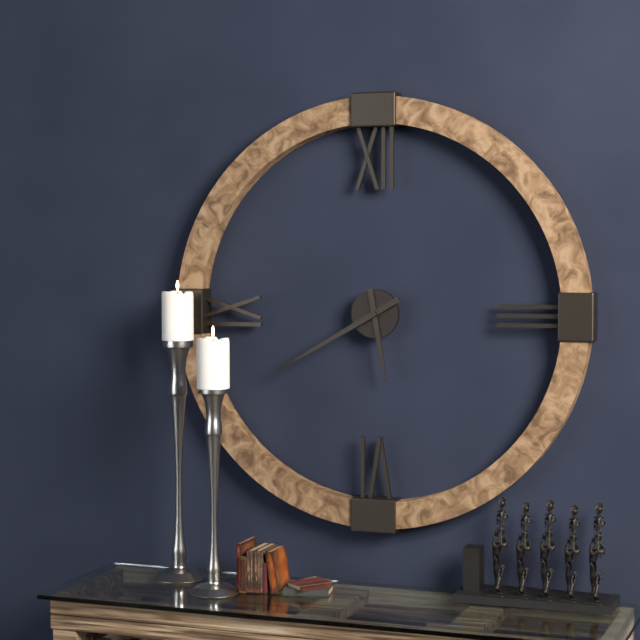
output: 5.40
